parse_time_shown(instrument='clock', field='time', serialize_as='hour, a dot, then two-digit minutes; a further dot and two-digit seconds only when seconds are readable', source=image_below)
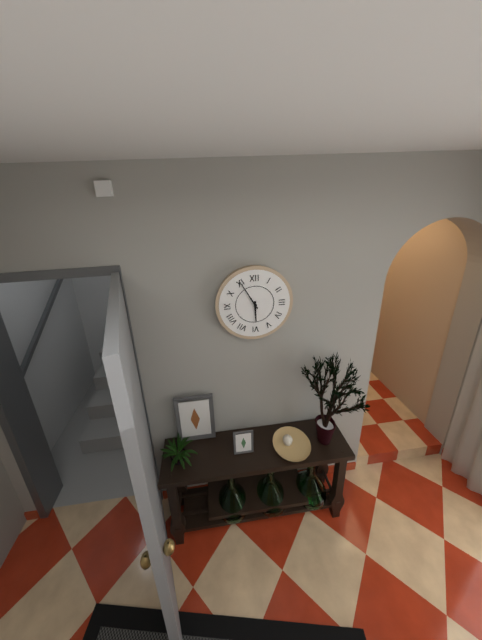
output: 5.55
